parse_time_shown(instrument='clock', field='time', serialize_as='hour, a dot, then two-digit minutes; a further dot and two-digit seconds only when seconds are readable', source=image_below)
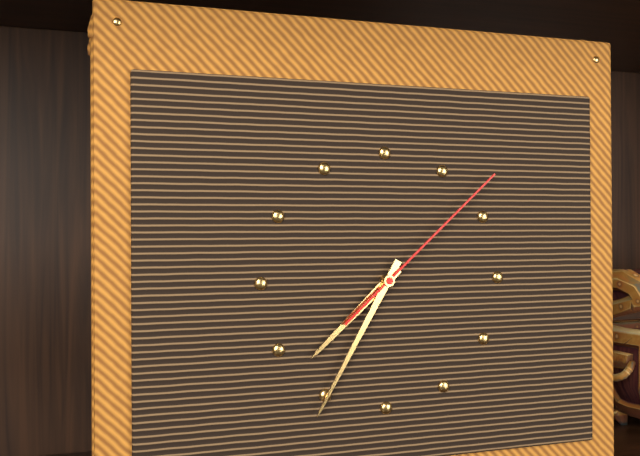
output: 7.35.08
